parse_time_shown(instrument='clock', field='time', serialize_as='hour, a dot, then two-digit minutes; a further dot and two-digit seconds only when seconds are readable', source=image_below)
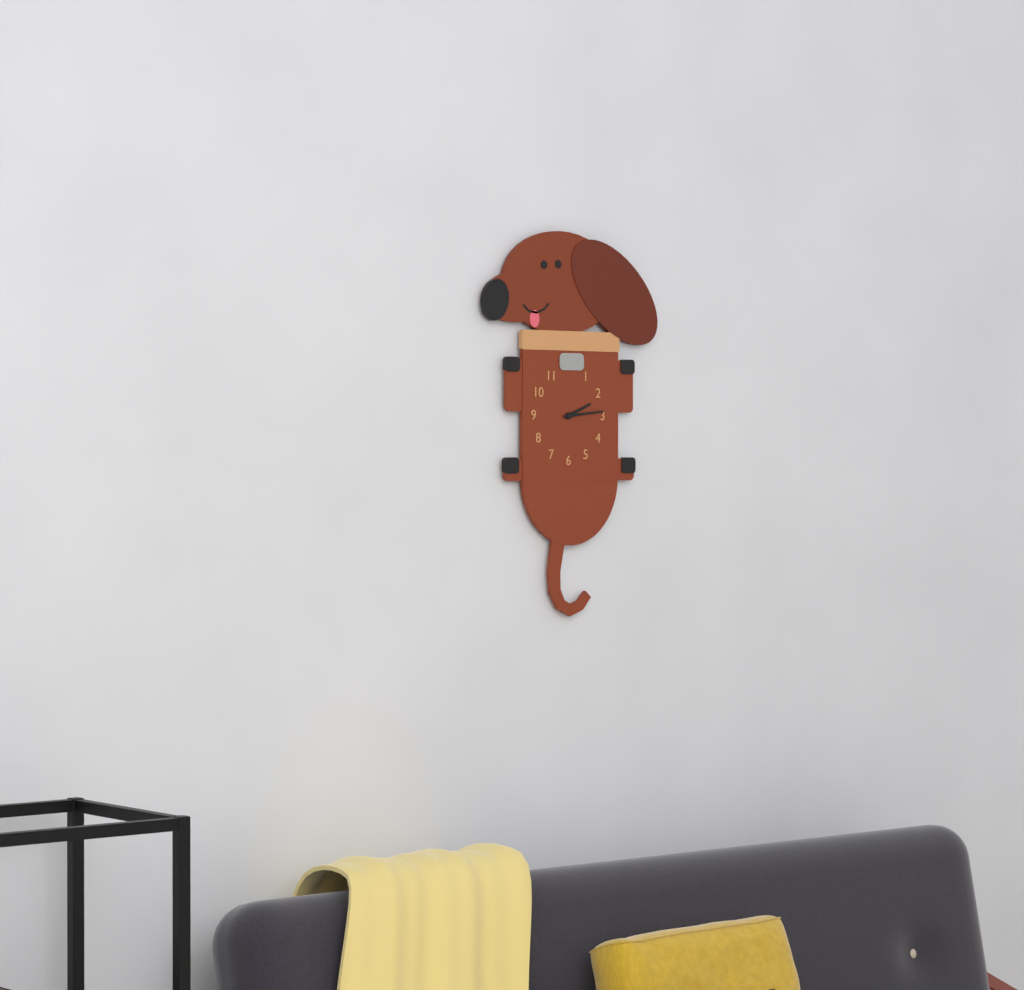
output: 2.14
